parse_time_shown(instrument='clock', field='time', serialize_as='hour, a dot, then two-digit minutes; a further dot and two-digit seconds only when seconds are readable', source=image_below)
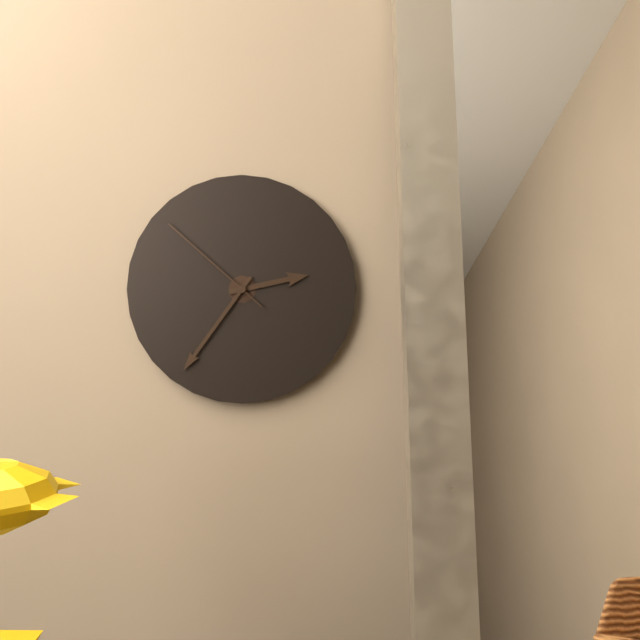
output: 2.36.52
